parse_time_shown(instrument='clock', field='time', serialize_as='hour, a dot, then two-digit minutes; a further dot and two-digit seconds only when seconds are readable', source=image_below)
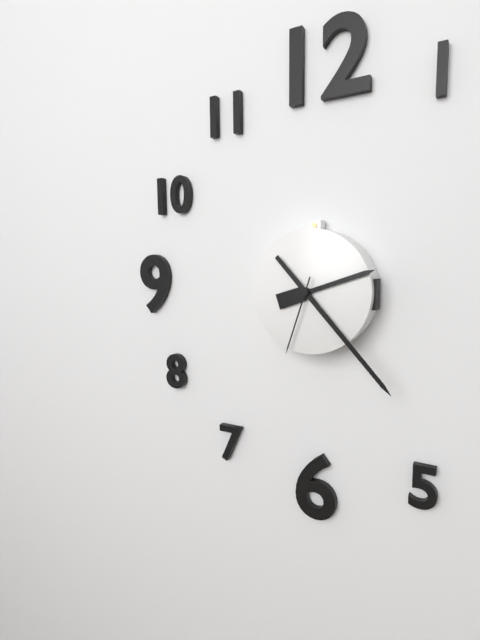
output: 2.23.33
